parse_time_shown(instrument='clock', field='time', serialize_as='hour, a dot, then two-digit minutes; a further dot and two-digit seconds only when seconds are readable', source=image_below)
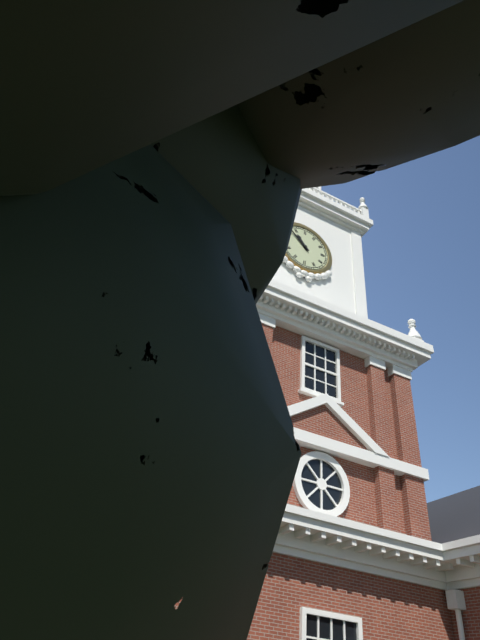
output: 10.52
